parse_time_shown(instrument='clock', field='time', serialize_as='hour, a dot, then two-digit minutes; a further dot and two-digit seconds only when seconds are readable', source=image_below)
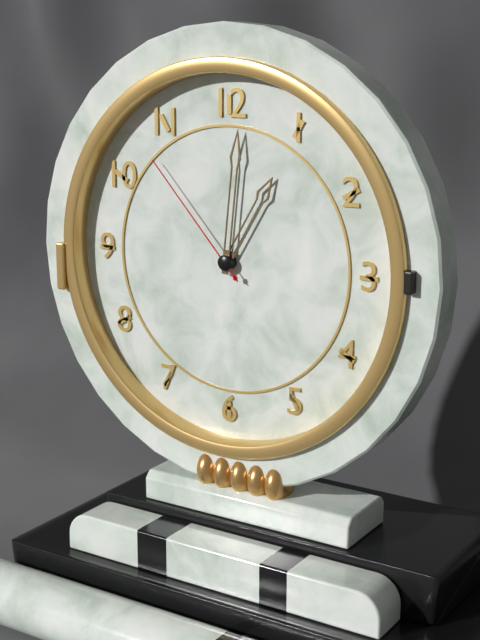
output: 1.01.53
